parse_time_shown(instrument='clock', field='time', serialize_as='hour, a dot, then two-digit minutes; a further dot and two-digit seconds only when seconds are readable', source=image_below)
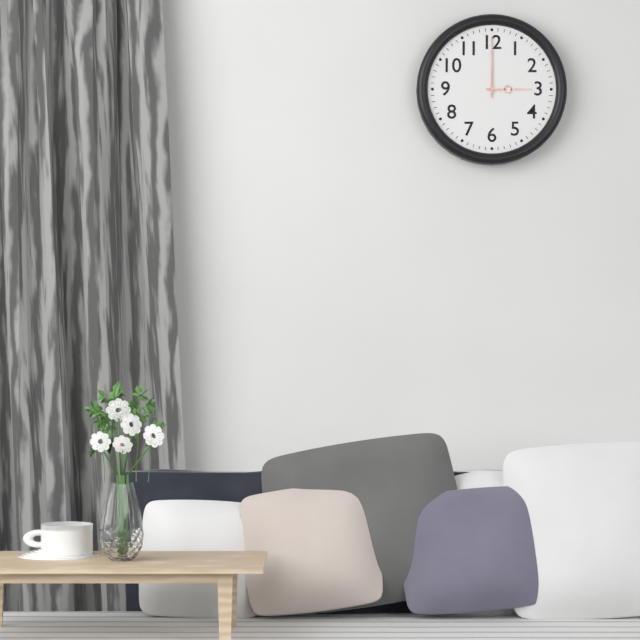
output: 3.00
